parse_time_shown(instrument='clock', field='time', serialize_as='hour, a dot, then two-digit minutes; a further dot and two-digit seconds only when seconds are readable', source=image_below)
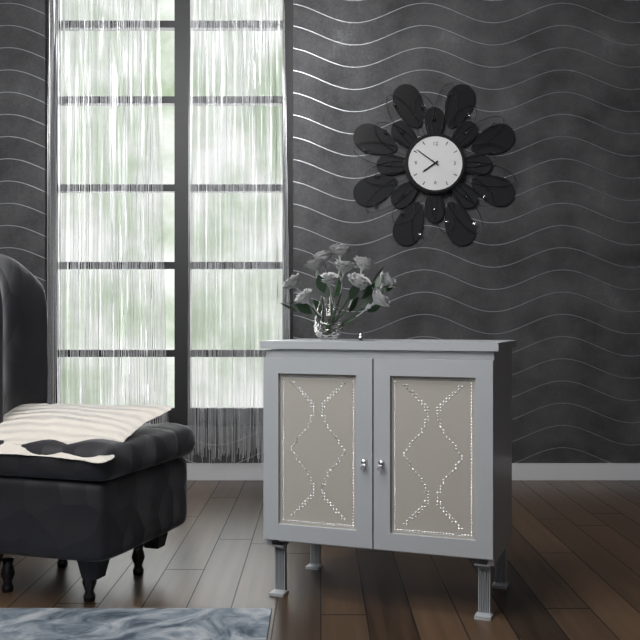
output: 7.51
